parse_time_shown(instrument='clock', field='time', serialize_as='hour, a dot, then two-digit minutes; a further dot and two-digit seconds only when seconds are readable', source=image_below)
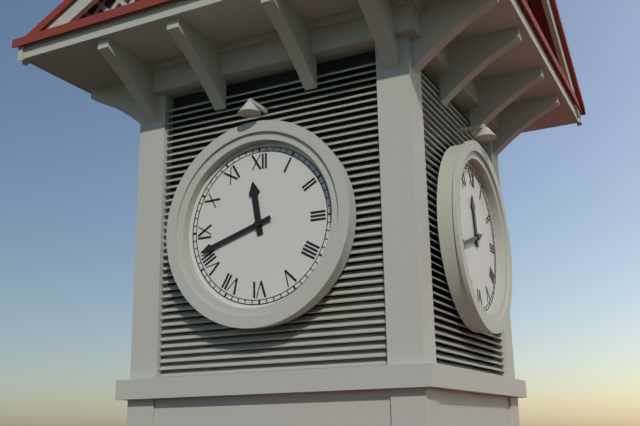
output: 11.42
